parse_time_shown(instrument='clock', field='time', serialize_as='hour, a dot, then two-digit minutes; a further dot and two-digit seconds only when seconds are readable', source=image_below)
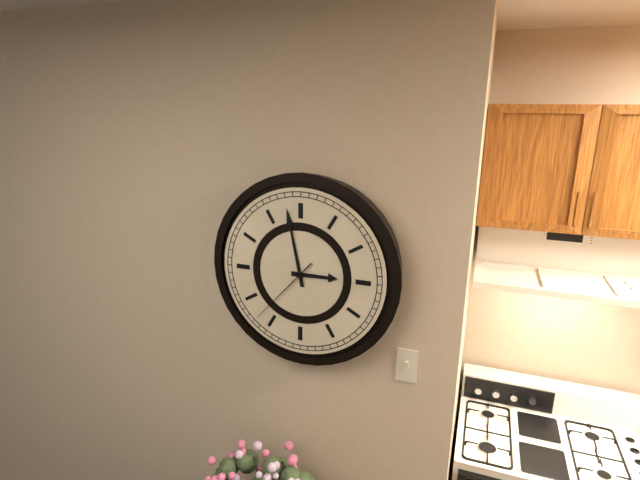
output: 2.58.37
